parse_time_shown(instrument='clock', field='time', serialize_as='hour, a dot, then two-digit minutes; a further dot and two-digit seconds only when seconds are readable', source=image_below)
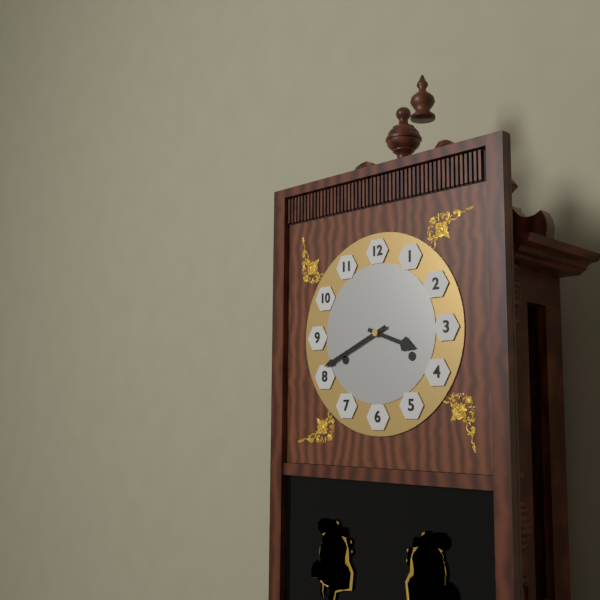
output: 3.41
